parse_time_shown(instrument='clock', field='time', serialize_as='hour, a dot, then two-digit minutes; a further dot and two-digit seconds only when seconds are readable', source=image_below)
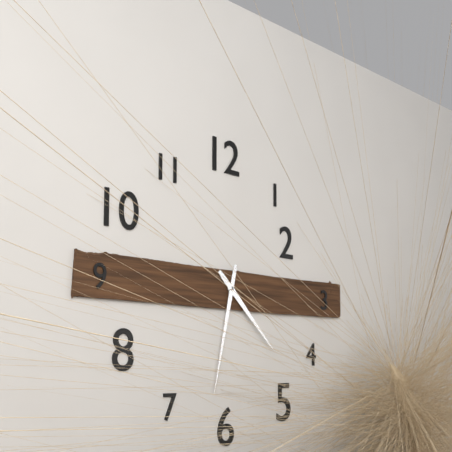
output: 4.32
